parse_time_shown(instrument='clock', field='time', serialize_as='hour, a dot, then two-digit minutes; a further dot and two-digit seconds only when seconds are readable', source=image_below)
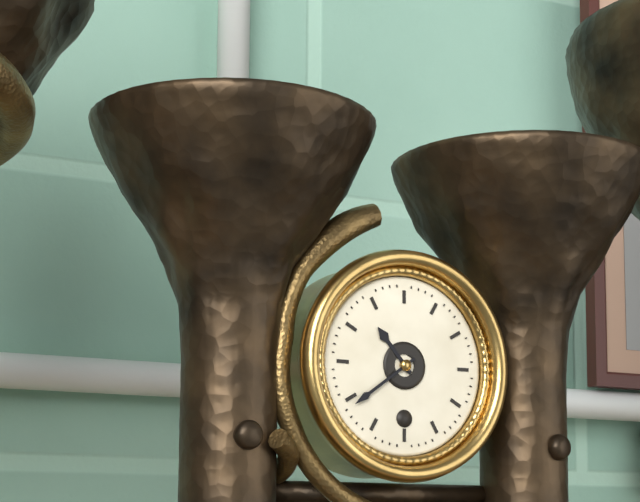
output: 10.39
